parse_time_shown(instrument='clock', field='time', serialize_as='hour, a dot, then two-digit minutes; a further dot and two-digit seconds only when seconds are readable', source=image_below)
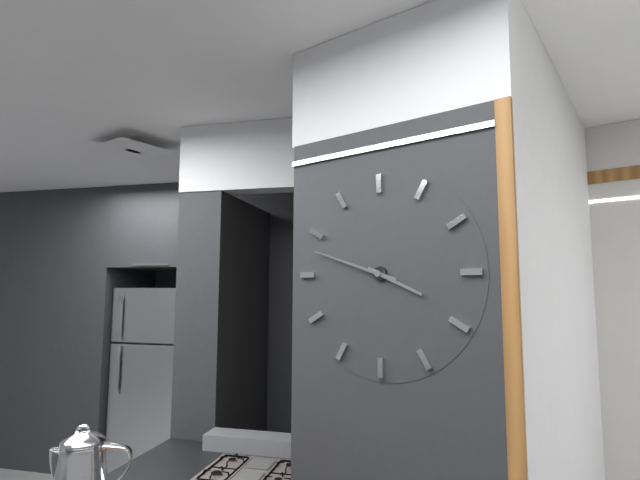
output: 3.48
